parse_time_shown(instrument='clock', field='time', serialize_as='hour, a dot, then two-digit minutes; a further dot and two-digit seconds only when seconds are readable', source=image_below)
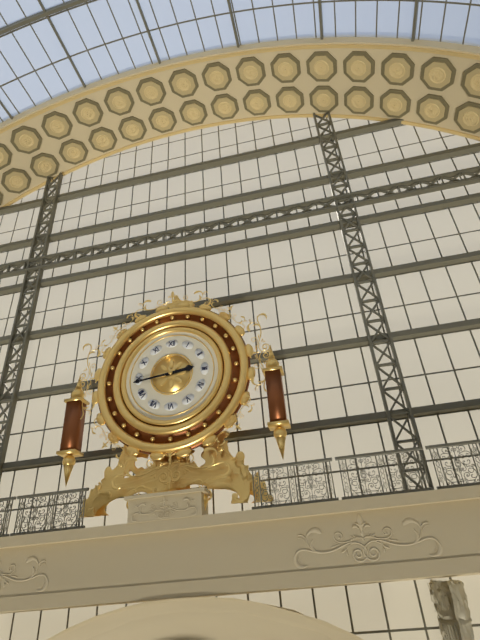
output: 2.44
